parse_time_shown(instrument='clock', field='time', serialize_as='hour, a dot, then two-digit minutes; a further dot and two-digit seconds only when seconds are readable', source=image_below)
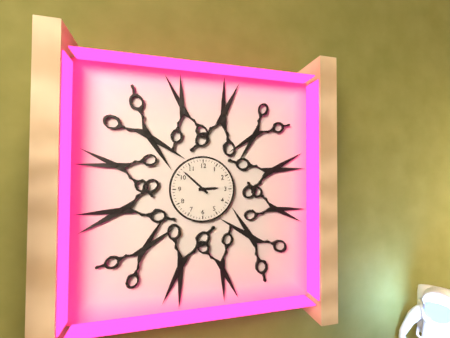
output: 2.52
